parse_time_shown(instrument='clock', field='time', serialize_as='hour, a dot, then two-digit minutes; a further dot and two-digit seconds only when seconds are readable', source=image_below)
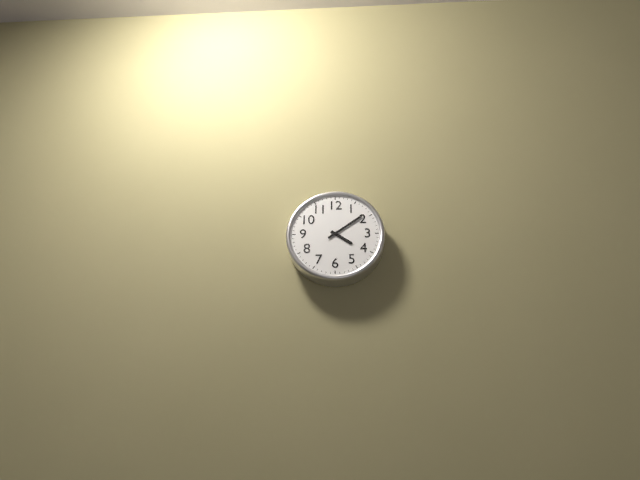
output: 4.09
